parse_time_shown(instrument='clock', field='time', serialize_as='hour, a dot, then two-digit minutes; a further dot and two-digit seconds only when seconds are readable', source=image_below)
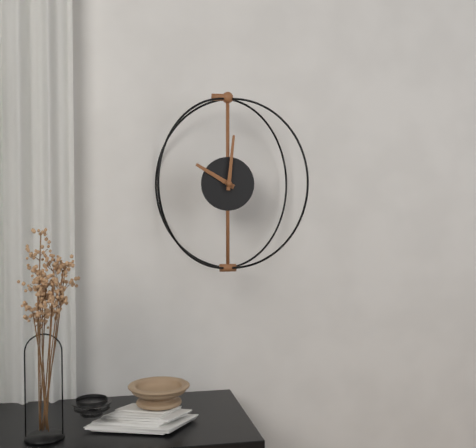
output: 10.01
